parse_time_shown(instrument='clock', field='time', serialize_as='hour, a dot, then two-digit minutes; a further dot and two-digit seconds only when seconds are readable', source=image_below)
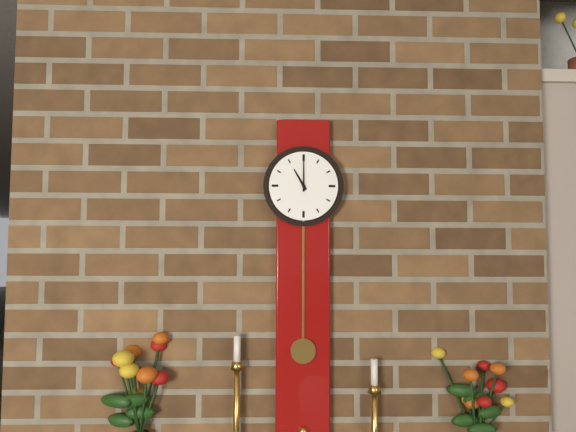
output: 11.00
